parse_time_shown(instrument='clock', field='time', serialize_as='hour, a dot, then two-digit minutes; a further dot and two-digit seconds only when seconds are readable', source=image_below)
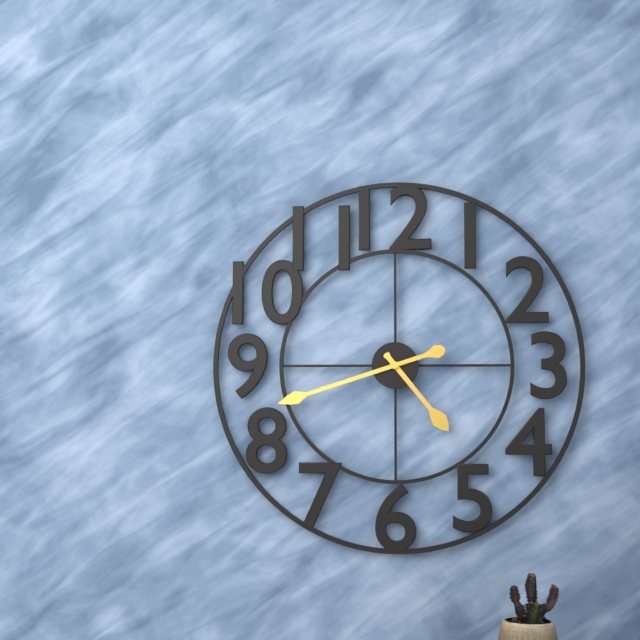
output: 4.42
